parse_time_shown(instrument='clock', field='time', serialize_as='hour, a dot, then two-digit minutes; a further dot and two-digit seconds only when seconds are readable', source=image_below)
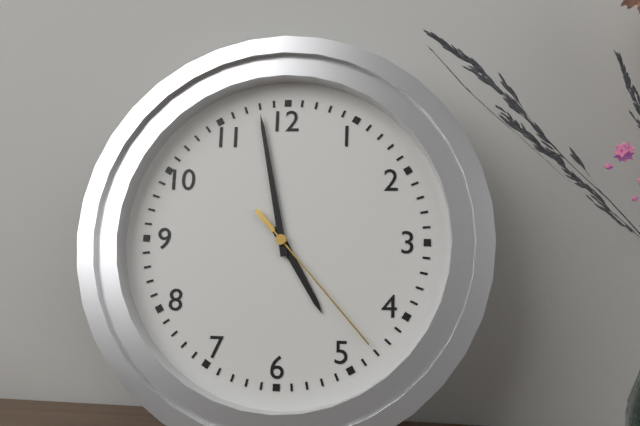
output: 4.58.23
